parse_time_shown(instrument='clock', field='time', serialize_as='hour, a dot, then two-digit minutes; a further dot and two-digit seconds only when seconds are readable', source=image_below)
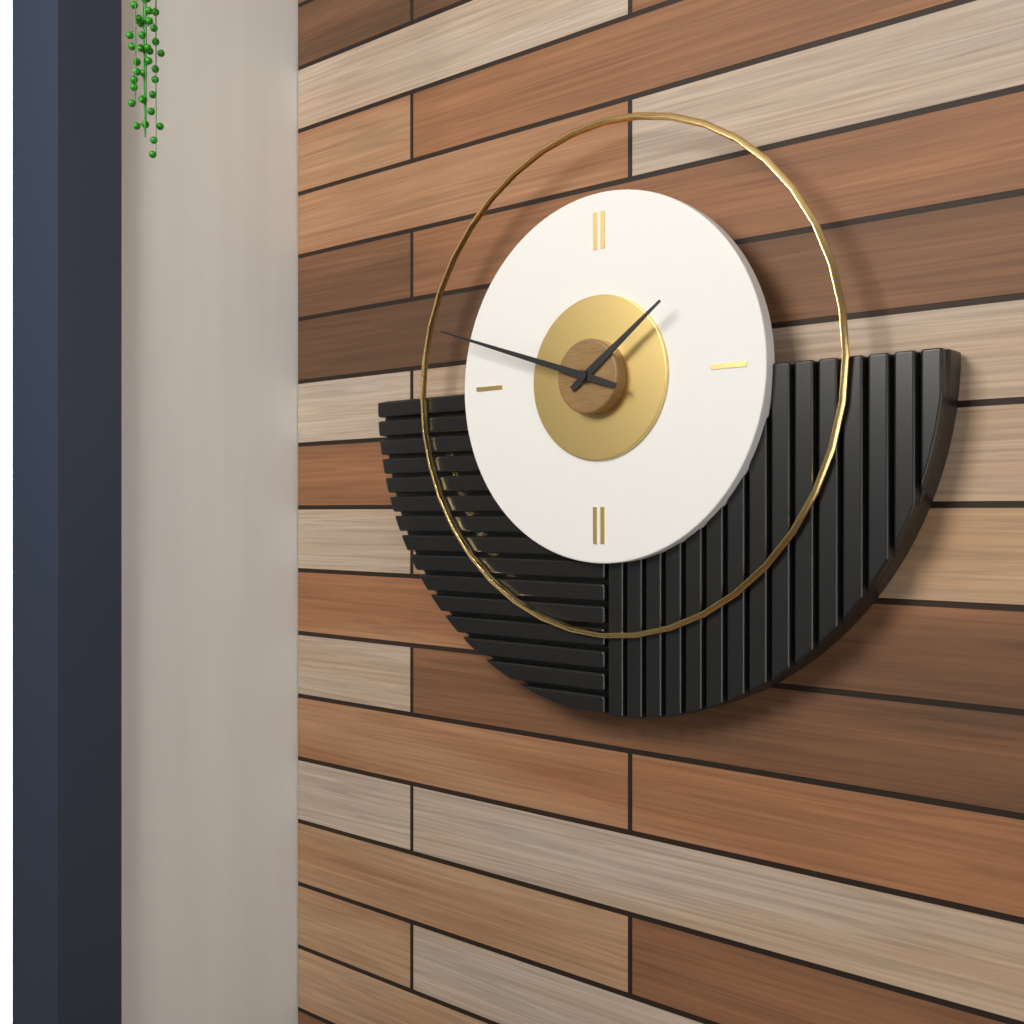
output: 1.48
